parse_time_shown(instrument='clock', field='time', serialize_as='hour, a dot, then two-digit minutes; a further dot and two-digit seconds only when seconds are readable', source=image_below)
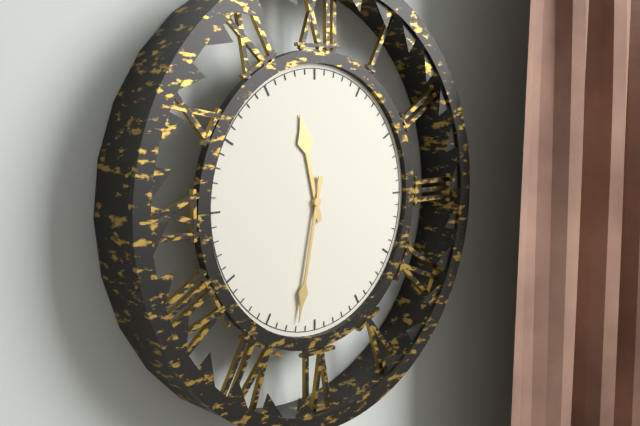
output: 11.32
